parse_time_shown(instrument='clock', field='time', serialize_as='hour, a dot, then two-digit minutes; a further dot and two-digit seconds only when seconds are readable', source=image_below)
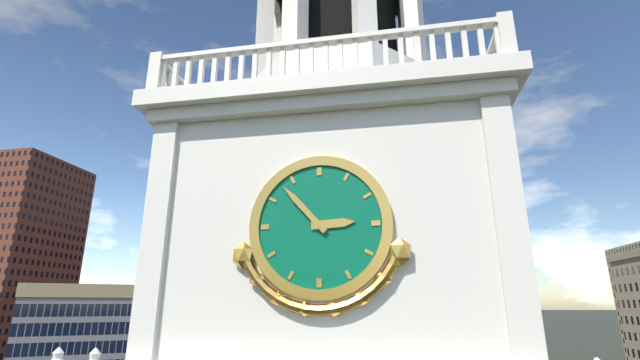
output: 2.53
